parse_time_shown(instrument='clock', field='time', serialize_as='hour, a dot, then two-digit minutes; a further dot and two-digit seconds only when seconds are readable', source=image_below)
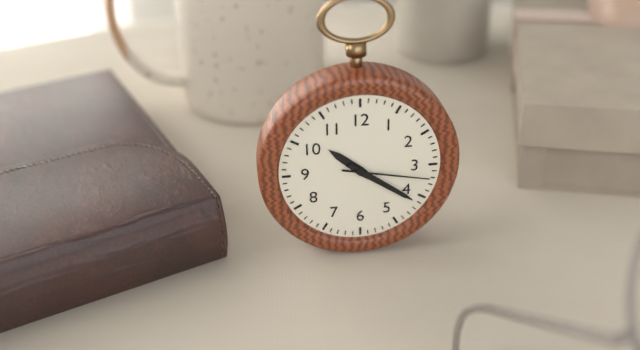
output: 10.21.17
